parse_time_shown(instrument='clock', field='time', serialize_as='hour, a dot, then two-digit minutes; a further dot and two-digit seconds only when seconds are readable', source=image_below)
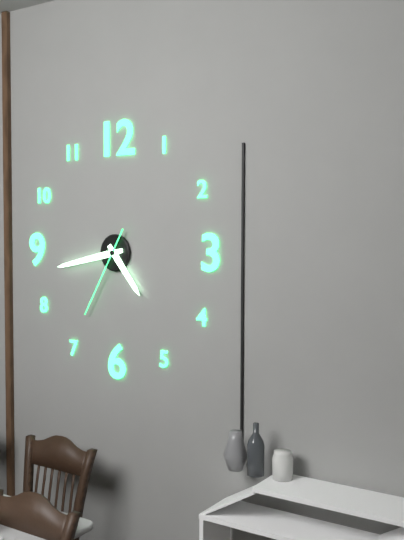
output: 4.43.35
